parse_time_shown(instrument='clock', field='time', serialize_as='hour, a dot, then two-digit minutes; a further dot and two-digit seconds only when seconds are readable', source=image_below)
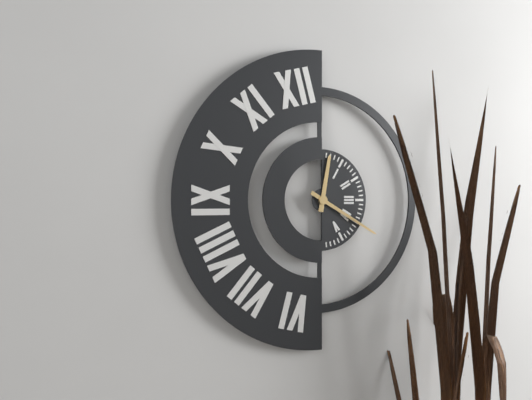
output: 12.20
